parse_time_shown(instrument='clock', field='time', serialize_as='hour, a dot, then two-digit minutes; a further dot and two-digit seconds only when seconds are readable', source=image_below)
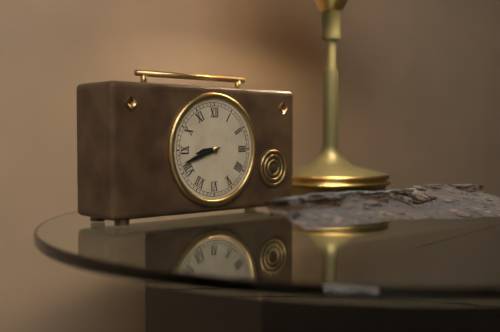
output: 8.42
